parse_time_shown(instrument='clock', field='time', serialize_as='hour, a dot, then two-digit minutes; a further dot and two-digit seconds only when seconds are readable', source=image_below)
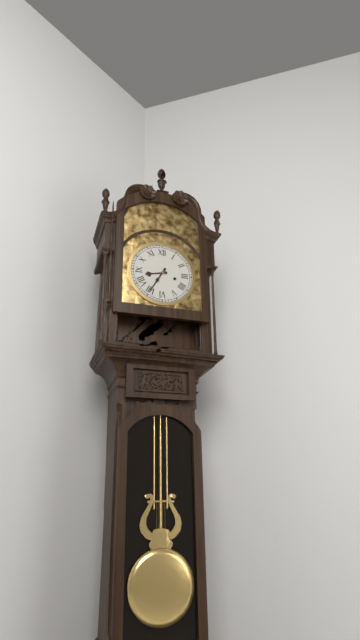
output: 8.35
